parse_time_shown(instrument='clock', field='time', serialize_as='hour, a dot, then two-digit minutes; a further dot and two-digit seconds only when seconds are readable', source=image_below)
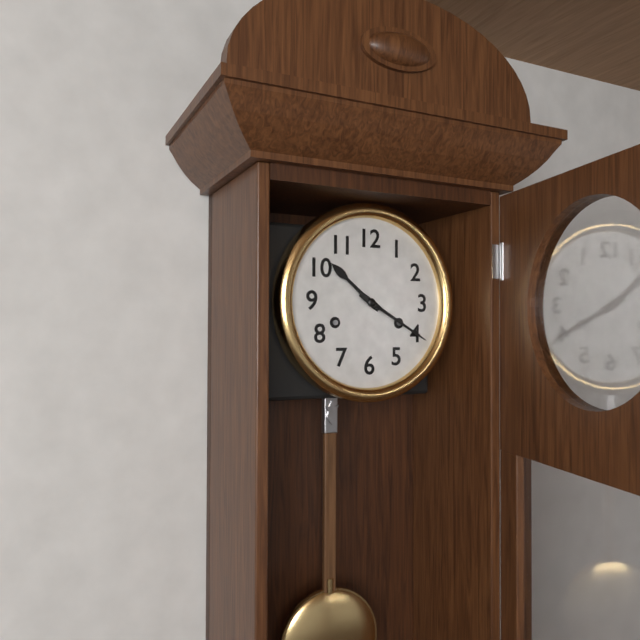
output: 10.20
